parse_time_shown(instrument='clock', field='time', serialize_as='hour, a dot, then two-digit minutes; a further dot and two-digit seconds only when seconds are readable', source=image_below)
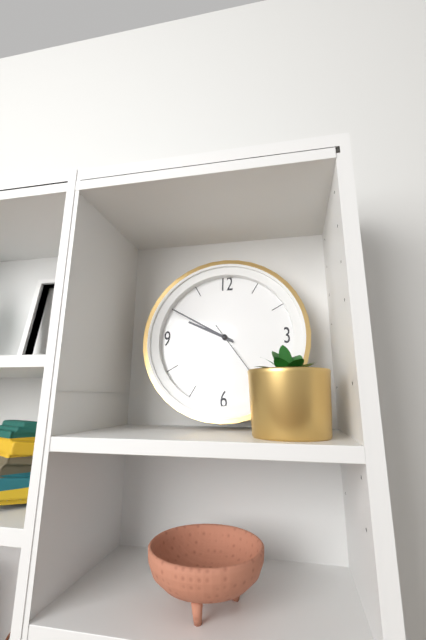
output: 9.50
